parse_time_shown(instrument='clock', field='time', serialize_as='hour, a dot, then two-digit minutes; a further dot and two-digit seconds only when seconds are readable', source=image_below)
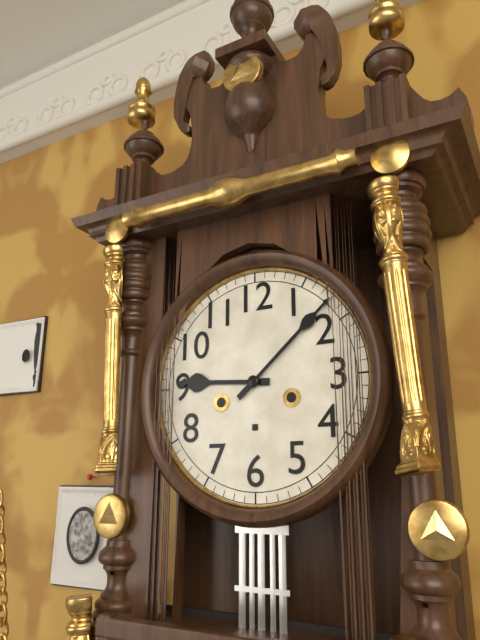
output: 9.08
